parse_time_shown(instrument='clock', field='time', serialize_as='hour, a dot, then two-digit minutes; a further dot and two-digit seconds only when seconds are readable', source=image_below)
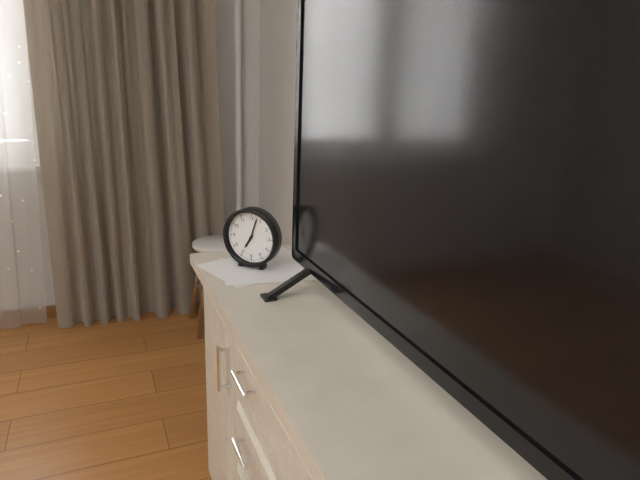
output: 7.03
